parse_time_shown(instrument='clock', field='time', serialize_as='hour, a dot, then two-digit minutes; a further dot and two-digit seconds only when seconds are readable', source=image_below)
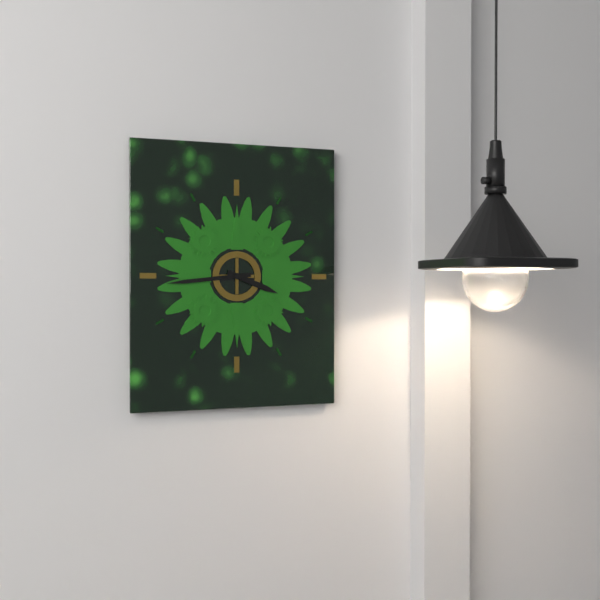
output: 3.44
